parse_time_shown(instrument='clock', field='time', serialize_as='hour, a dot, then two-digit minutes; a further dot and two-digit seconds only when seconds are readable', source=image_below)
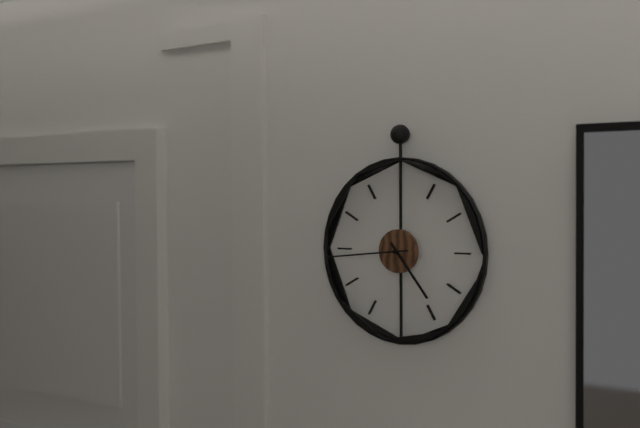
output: 4.44
